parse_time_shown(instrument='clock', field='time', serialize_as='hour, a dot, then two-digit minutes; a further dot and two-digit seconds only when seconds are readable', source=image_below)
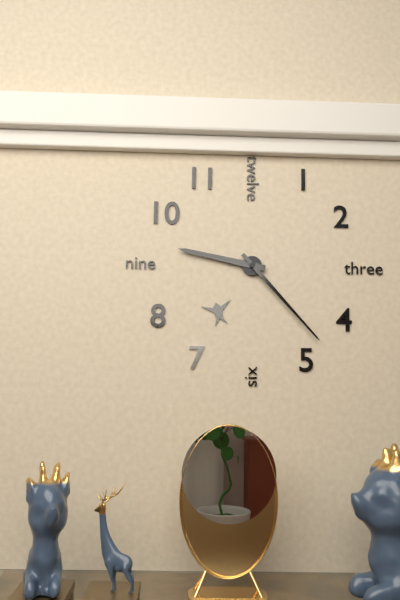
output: 9.23
